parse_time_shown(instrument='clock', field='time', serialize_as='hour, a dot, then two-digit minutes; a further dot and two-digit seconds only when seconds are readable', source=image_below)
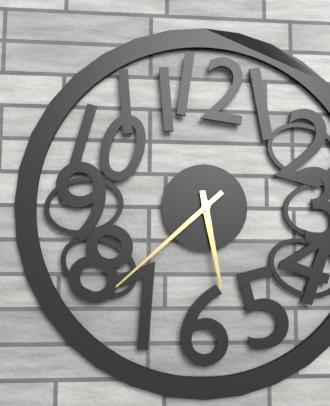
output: 5.38
